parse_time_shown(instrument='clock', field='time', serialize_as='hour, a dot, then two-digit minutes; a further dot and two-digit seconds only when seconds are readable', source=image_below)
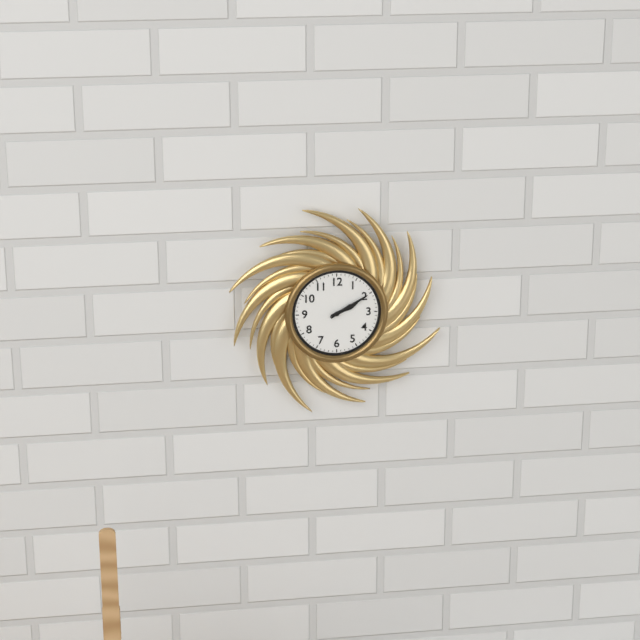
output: 2.10
